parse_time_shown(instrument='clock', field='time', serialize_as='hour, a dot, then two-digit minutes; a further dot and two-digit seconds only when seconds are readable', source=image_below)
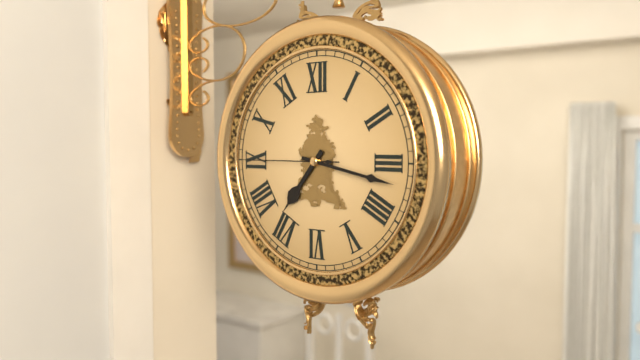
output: 7.17.45
